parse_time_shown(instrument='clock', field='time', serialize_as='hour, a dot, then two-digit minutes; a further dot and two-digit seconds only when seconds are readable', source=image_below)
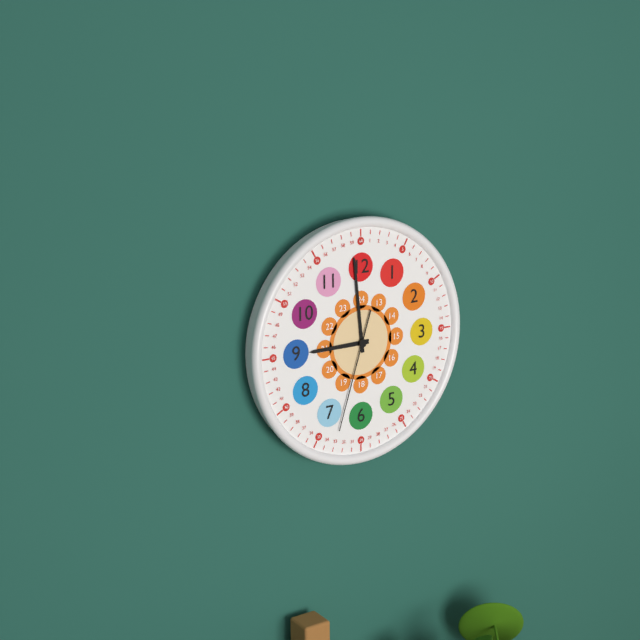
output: 8.59.33
